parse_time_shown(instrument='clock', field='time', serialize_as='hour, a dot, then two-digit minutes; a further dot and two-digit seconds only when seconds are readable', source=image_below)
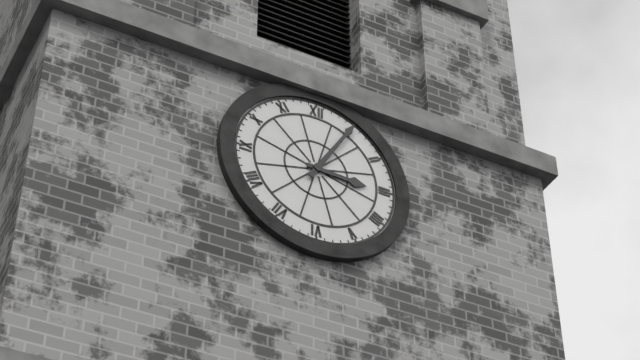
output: 3.05
